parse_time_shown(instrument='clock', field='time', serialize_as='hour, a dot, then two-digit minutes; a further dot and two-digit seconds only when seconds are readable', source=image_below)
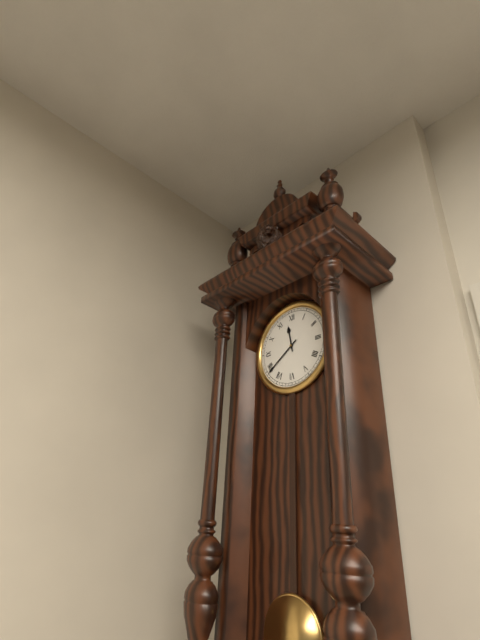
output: 11.39
